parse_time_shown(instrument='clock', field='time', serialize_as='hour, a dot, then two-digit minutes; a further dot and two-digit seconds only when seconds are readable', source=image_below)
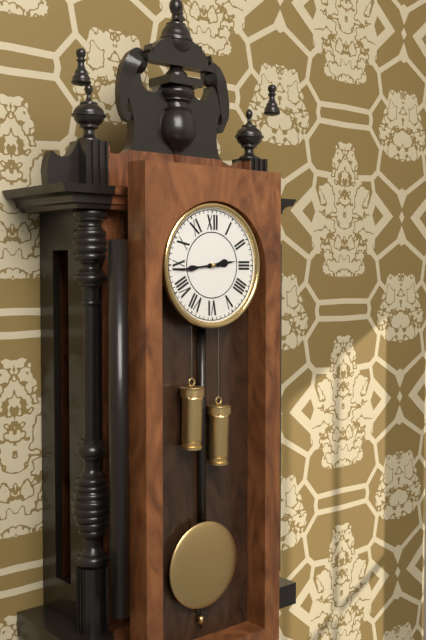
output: 2.44
